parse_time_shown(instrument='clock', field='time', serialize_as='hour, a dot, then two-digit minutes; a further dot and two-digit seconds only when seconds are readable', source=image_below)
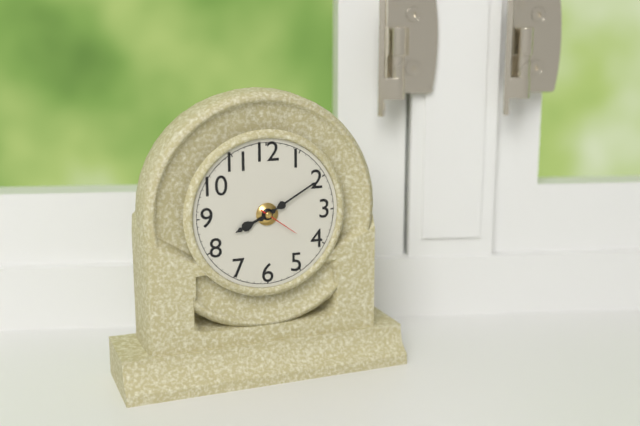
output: 8.10
